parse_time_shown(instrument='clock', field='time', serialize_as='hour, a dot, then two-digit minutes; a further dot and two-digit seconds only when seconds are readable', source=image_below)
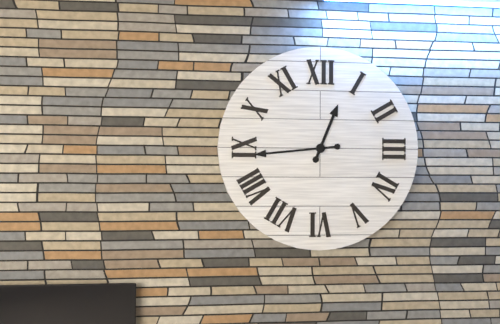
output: 12.44
